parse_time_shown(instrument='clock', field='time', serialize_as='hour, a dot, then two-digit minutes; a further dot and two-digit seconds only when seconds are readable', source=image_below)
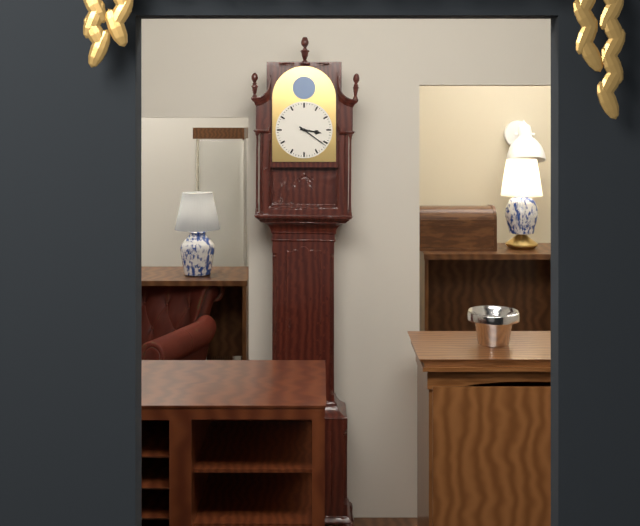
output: 3.21
